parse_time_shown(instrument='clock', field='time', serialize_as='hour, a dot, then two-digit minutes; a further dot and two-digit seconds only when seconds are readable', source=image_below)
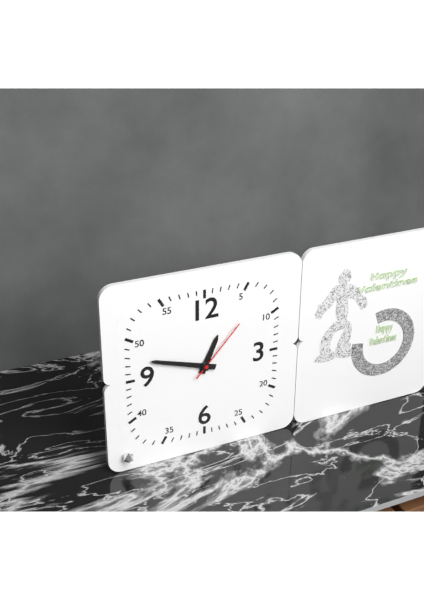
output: 12.48.07
